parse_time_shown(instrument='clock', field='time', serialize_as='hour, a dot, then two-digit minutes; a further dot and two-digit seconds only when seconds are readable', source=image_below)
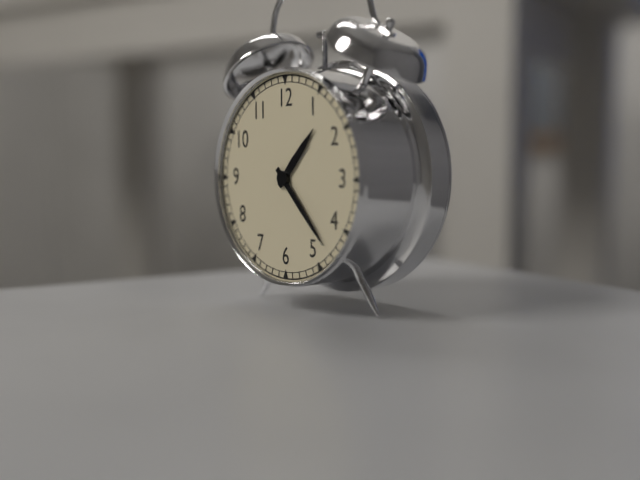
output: 1.23
